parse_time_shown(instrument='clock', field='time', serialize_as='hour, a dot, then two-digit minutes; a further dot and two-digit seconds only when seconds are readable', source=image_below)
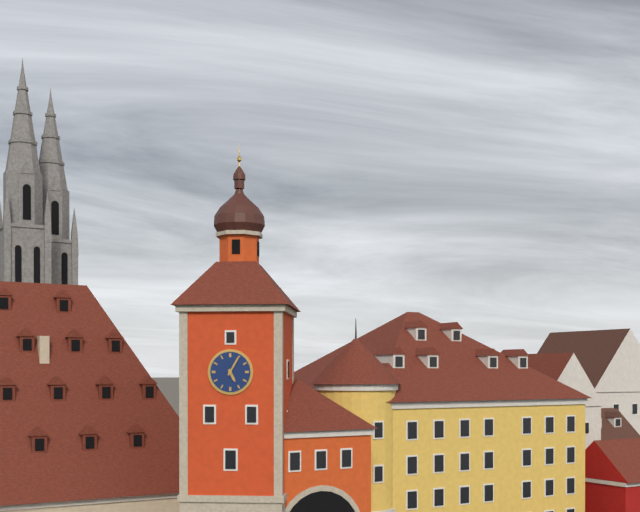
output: 5.05
